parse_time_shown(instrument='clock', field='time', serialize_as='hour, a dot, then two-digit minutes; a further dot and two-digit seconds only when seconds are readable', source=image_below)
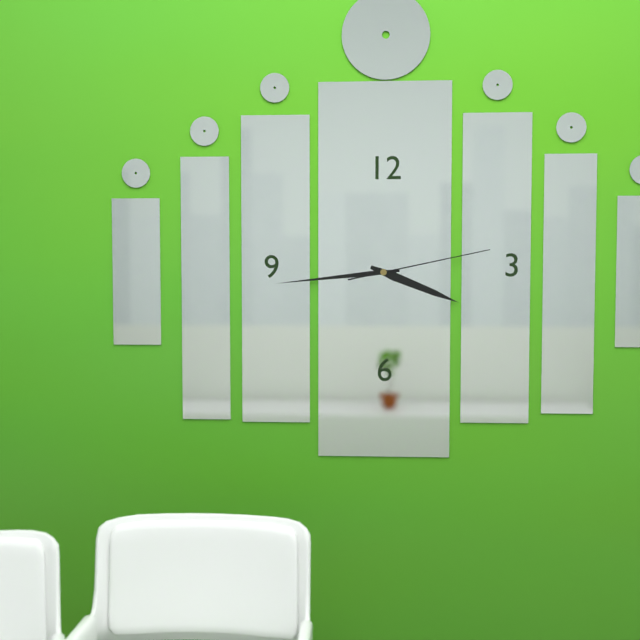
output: 3.44.13
